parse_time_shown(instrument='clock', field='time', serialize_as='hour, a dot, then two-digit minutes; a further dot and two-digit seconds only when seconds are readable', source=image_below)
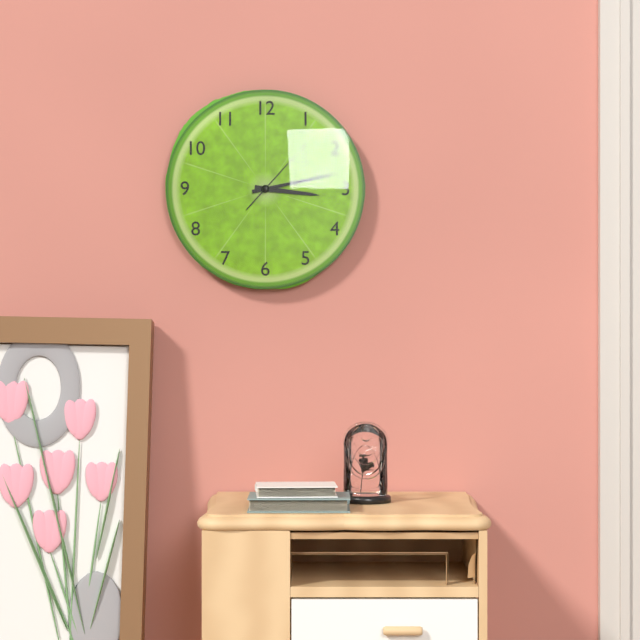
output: 3.13.07
